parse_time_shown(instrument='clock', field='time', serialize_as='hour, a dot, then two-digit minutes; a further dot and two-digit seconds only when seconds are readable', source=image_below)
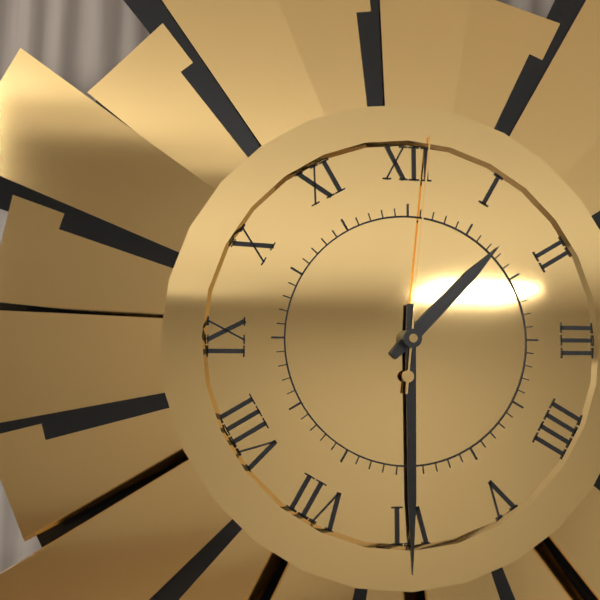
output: 1.30.01
